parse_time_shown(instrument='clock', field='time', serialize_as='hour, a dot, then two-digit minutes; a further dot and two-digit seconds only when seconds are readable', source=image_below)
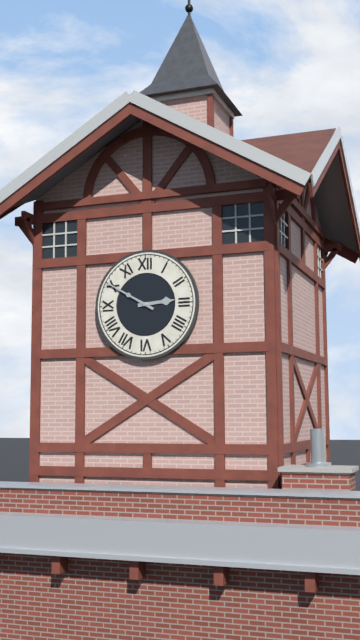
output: 2.50
